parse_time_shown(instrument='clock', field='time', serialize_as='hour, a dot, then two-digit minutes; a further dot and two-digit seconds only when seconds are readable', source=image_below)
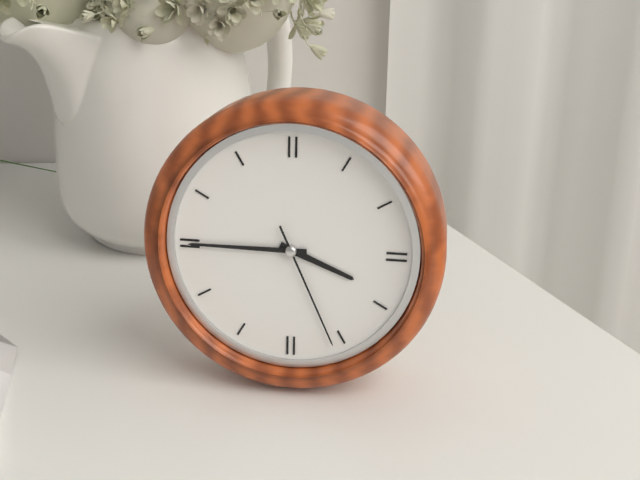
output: 3.45.26
